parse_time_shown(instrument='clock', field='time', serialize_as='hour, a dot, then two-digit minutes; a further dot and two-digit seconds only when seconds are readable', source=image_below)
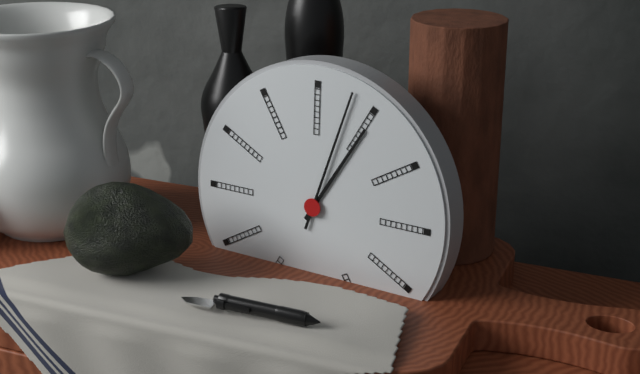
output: 1.03
